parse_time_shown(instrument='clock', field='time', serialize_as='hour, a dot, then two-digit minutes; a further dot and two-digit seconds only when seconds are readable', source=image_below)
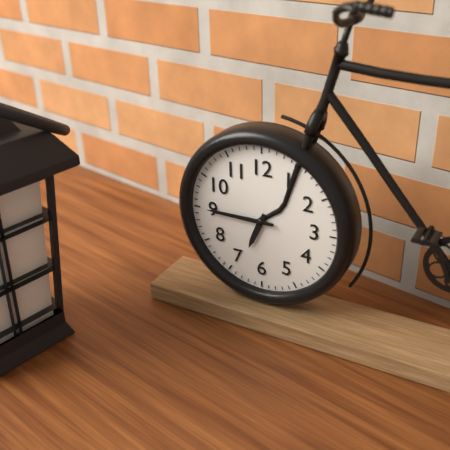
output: 6.45
